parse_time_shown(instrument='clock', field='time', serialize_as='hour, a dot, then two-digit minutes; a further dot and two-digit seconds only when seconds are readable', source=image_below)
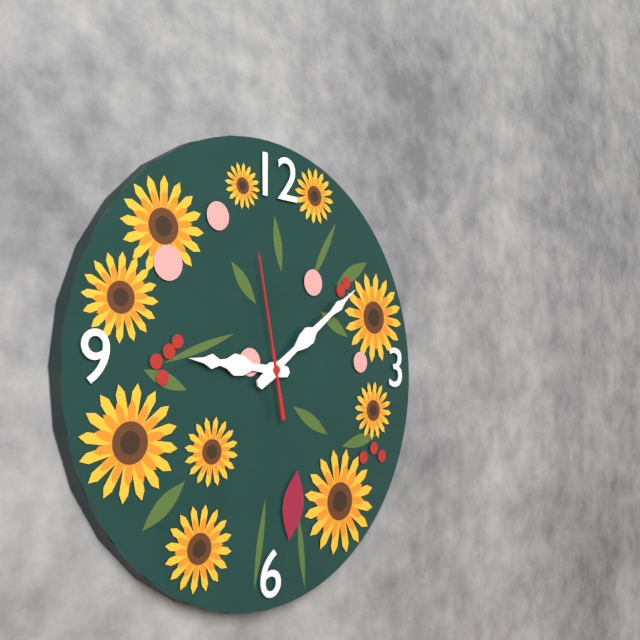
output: 9.09.58
